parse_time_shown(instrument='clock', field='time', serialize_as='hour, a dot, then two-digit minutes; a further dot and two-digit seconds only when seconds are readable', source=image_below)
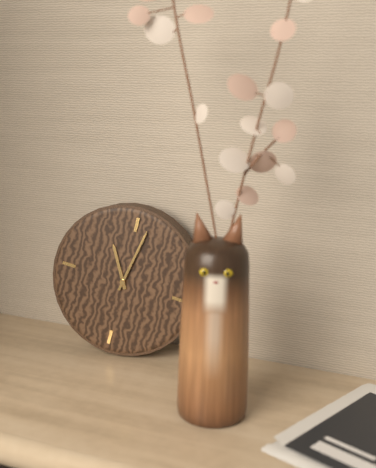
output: 11.02
